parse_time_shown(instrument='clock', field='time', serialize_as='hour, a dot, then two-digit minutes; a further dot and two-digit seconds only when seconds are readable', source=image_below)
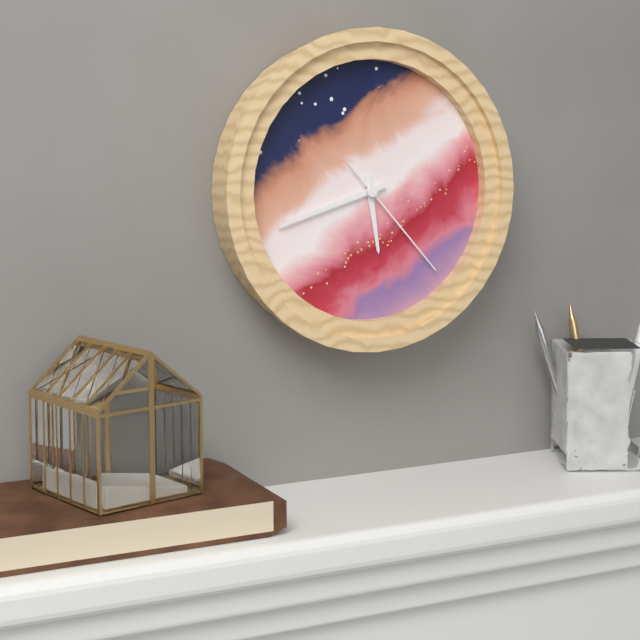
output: 5.42.23
